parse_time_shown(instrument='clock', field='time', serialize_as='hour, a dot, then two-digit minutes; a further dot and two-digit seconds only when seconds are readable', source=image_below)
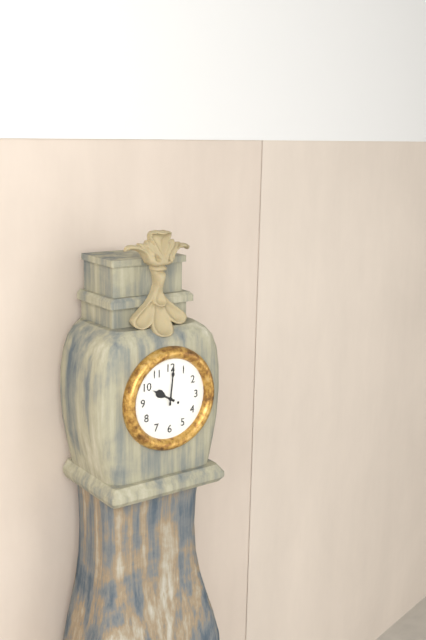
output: 10.01
